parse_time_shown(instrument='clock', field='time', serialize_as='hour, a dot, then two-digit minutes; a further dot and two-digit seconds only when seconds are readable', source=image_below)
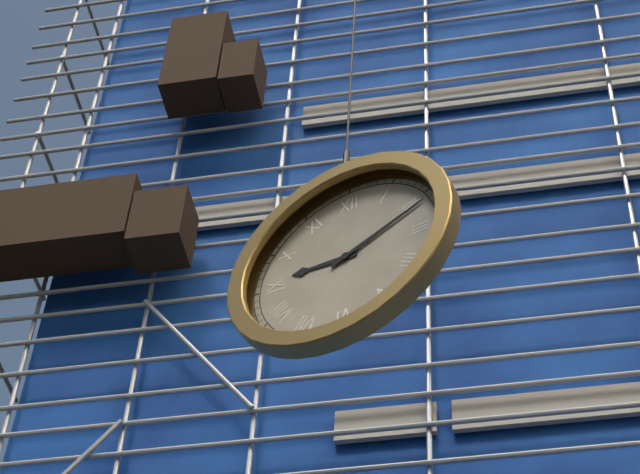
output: 9.11
